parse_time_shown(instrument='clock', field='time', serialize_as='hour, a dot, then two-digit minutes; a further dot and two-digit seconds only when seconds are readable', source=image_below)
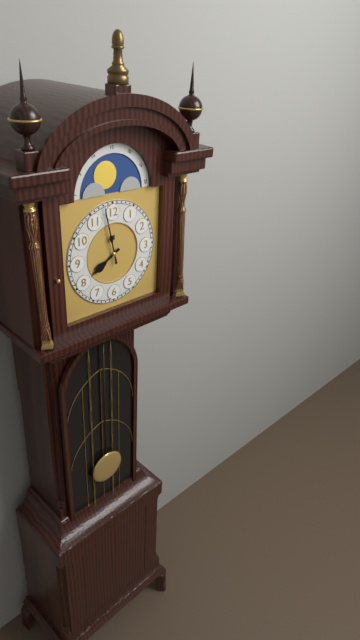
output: 7.58
